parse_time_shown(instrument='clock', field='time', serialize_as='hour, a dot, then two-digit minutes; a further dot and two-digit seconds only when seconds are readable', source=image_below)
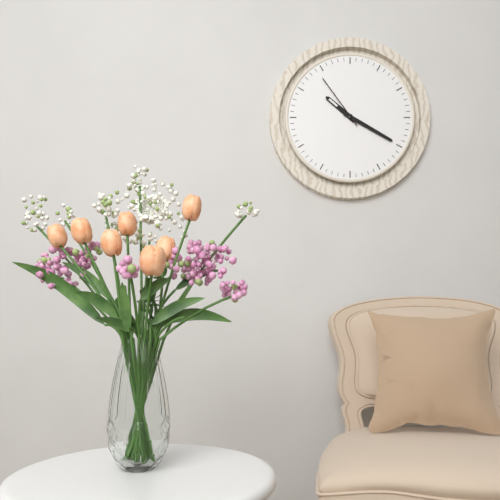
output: 10.20.54
